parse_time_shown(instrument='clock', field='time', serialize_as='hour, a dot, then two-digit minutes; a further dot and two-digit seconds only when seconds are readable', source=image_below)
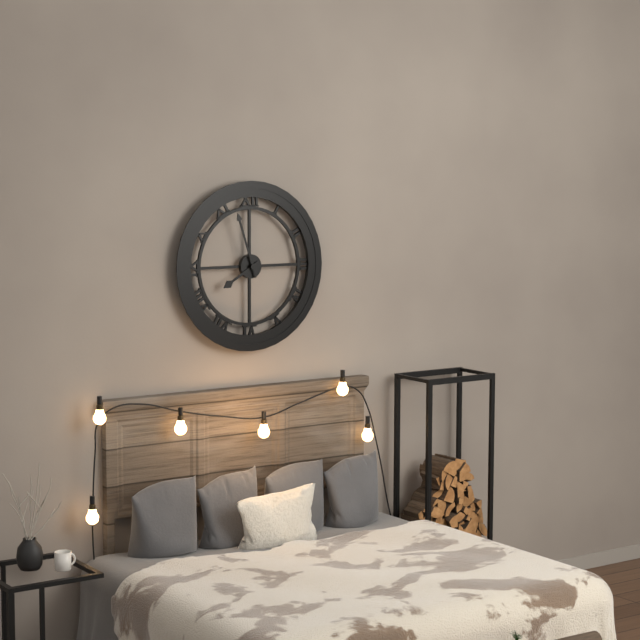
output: 7.57
